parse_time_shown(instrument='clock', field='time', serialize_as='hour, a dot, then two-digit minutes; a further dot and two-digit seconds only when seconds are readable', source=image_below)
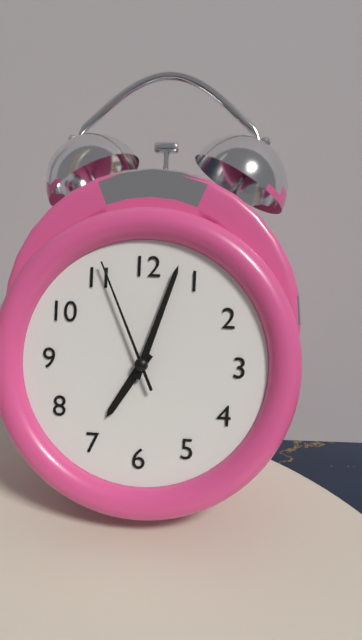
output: 7.03.56
